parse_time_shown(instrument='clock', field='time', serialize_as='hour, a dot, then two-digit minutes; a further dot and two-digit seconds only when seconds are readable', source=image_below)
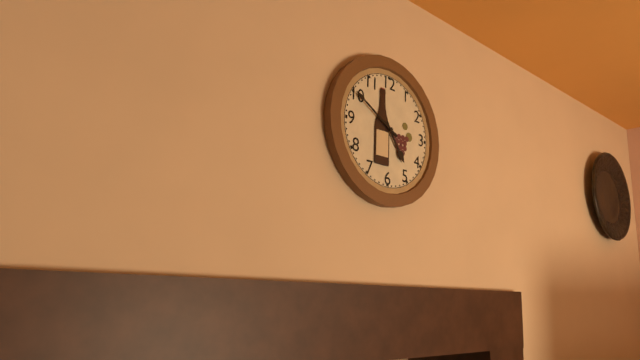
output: 4.50
